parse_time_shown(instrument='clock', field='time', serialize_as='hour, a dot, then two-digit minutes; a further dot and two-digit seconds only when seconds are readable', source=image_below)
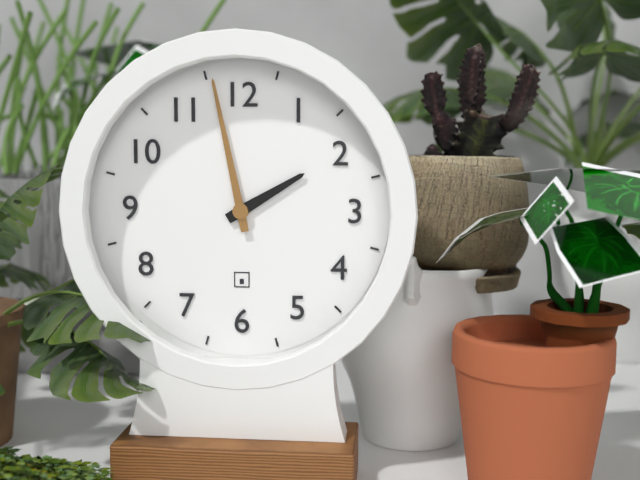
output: 1.58
